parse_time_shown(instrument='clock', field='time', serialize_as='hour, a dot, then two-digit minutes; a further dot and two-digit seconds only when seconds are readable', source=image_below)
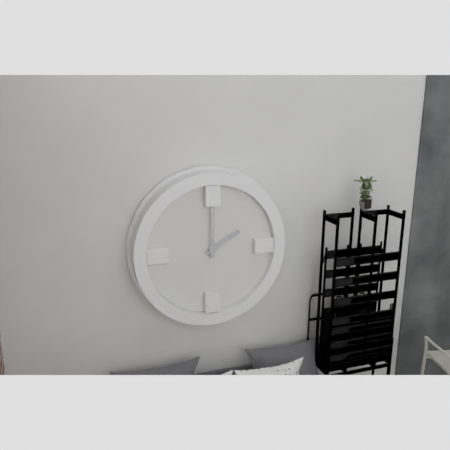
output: 2.00
